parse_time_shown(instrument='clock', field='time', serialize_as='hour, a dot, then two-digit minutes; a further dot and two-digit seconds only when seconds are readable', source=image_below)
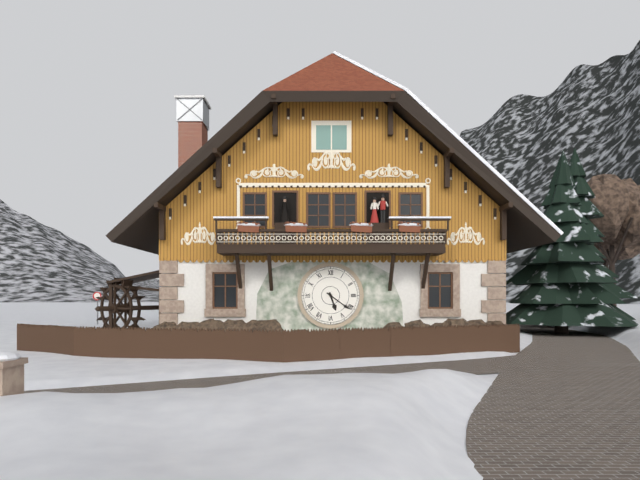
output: 5.21
